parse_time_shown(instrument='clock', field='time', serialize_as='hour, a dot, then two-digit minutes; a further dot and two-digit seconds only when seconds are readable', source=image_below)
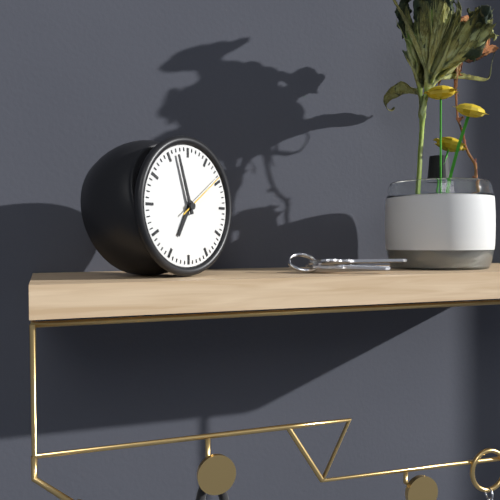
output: 6.57.09
